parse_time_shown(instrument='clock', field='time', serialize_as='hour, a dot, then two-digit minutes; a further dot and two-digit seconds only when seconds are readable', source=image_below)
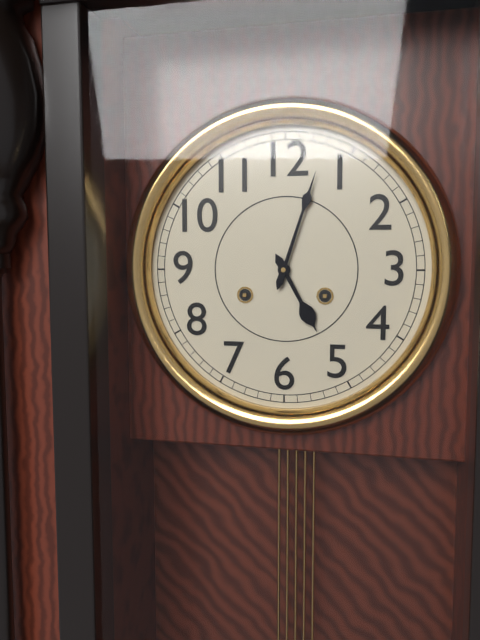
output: 5.03
